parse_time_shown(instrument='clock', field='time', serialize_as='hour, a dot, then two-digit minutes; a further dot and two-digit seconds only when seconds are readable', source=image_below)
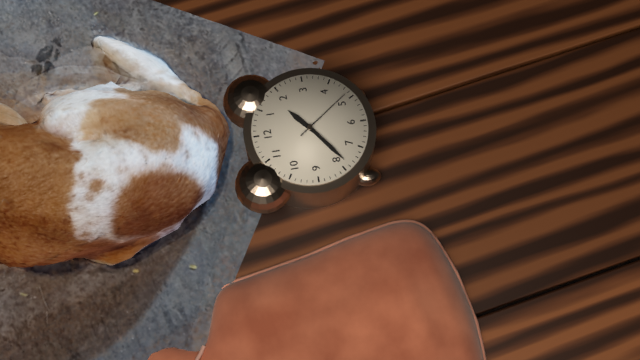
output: 1.39.24
